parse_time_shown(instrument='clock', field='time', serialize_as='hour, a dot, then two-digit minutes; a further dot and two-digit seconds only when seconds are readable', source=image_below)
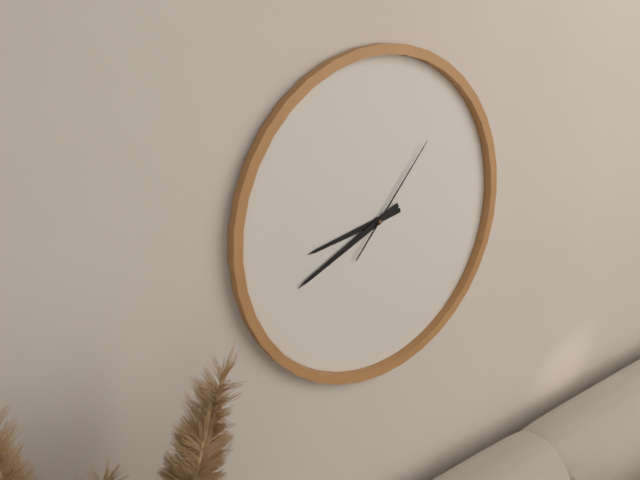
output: 8.41.07
